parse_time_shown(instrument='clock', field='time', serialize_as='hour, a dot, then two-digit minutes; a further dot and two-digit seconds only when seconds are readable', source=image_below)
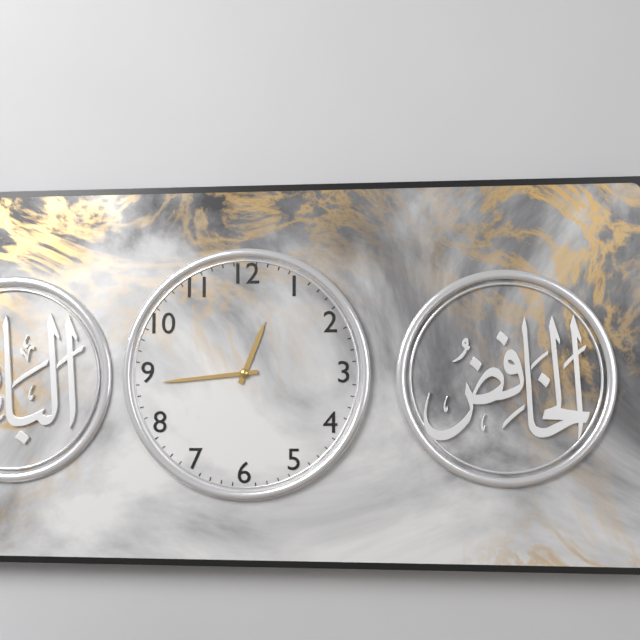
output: 12.44
